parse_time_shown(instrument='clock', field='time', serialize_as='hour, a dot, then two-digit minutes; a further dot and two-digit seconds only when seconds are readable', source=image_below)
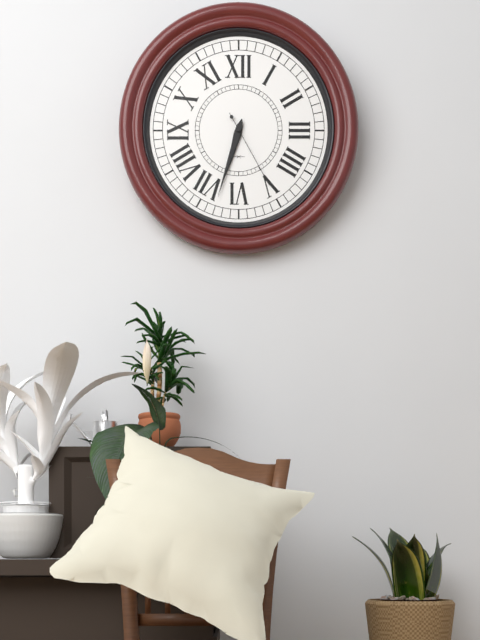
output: 6.33.25
